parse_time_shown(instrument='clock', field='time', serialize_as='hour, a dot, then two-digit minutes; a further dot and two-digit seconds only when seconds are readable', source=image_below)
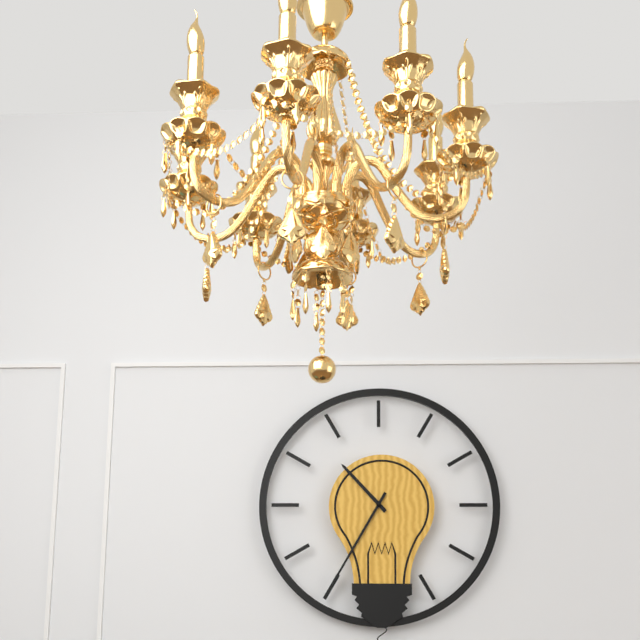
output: 10.35
